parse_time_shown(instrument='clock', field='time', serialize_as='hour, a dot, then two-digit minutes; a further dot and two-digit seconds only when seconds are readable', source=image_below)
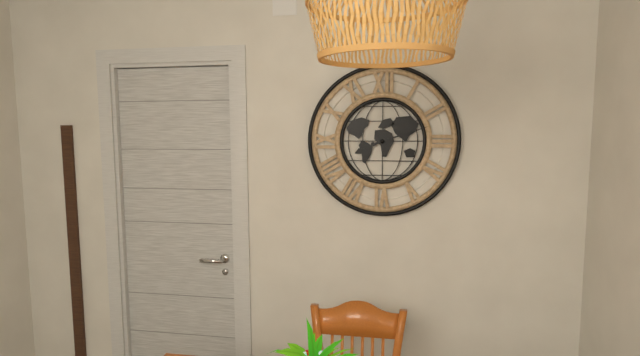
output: 8.12
